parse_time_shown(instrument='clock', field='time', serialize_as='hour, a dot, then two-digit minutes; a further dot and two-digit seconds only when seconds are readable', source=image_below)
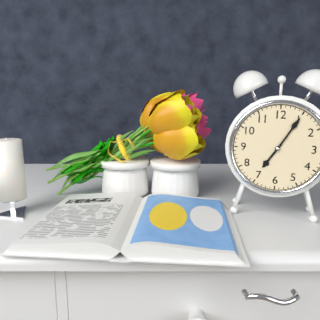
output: 7.05
